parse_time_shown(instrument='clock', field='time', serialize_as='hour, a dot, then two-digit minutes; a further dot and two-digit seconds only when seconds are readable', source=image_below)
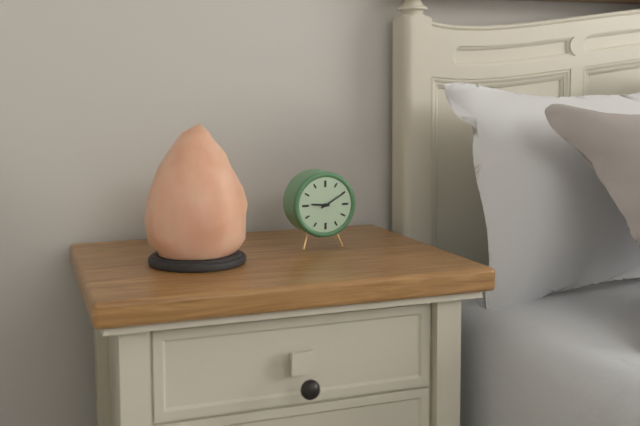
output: 9.10
